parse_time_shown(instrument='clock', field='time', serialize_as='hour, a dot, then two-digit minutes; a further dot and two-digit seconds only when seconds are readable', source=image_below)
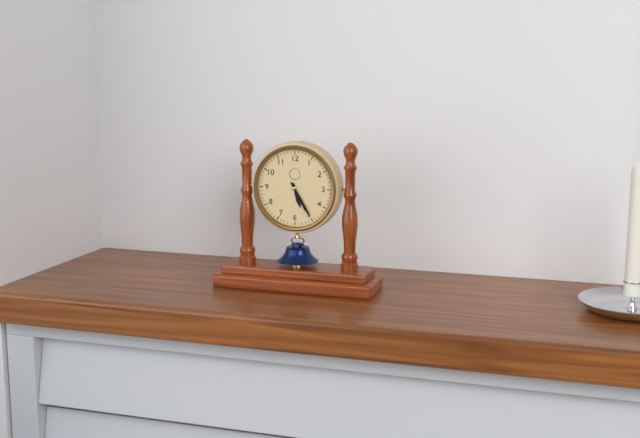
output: 5.25
